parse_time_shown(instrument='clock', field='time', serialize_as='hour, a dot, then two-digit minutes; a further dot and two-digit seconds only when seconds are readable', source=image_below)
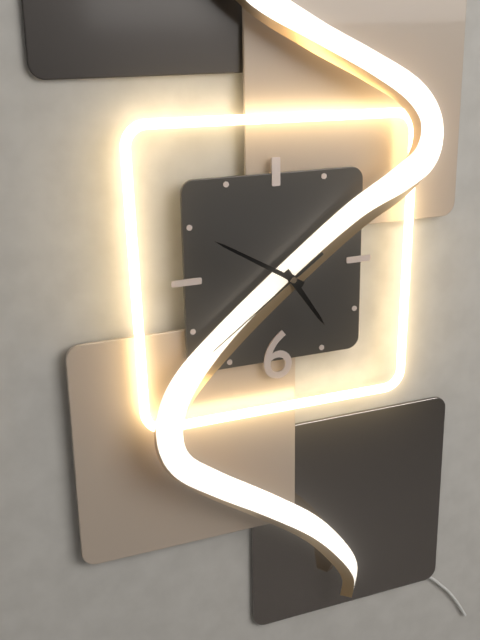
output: 4.50.39
